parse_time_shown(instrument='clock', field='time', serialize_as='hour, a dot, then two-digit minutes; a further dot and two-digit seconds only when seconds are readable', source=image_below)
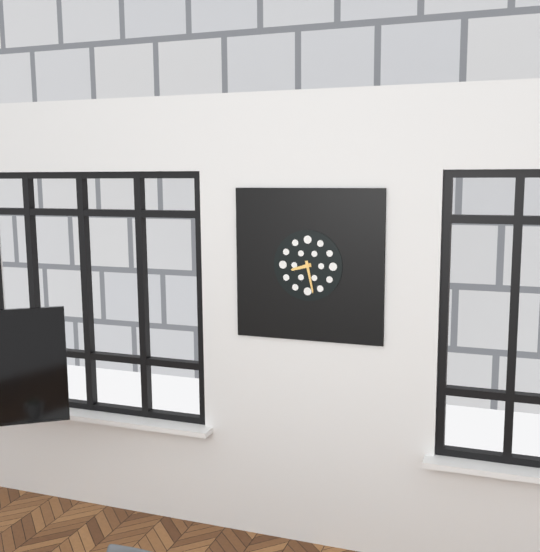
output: 8.28
